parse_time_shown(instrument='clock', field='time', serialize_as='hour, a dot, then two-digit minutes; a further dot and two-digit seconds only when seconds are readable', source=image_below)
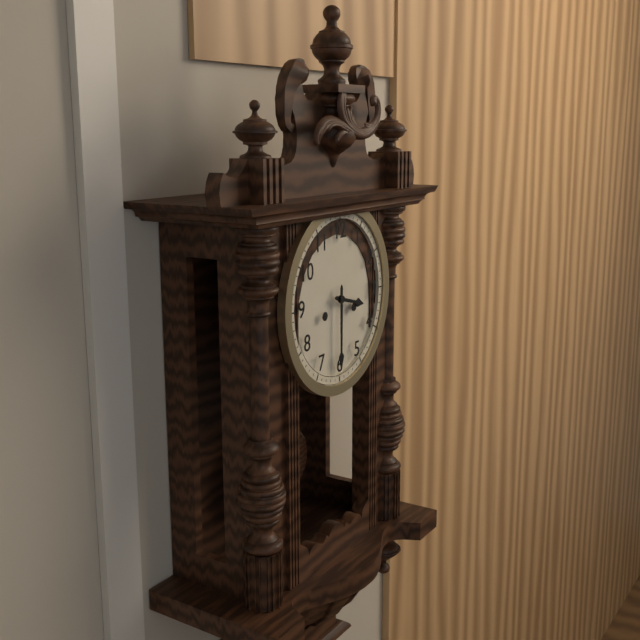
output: 3.30
